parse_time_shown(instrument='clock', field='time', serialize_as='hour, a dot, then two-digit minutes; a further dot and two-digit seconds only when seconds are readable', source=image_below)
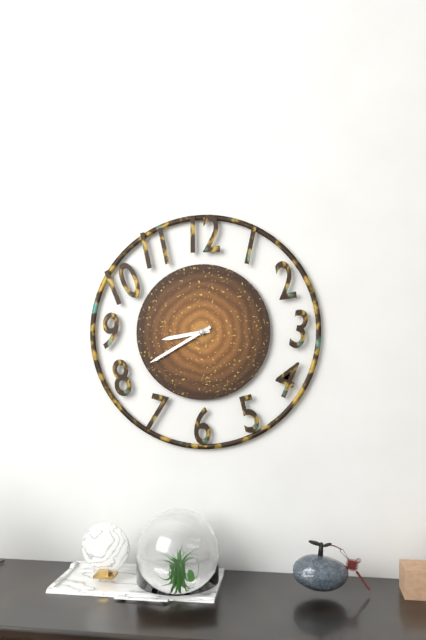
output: 8.40
